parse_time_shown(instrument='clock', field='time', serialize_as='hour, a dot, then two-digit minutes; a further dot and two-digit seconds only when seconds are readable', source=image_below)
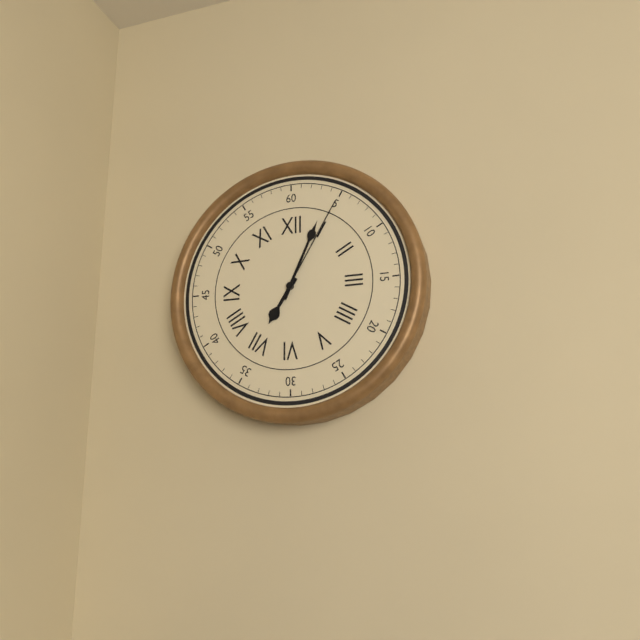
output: 7.04.05
